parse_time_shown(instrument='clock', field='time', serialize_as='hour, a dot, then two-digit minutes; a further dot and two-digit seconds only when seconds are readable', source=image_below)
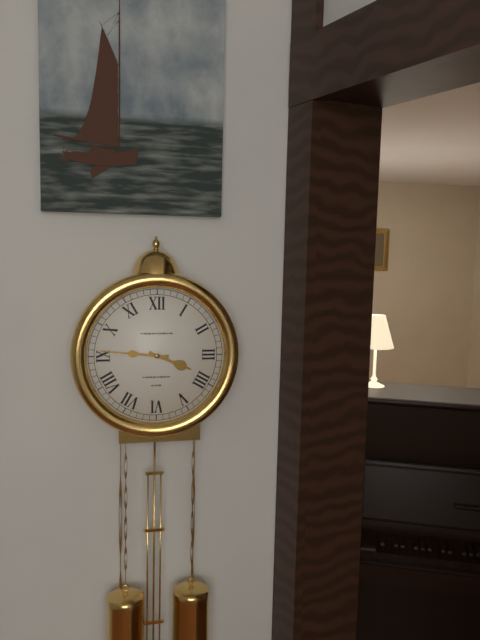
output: 3.46
